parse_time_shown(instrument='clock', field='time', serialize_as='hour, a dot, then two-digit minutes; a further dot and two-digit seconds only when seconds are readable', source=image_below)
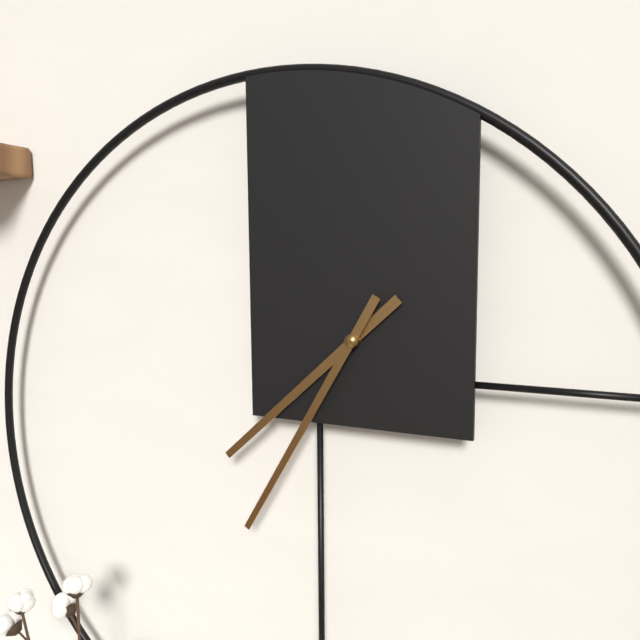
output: 7.35
